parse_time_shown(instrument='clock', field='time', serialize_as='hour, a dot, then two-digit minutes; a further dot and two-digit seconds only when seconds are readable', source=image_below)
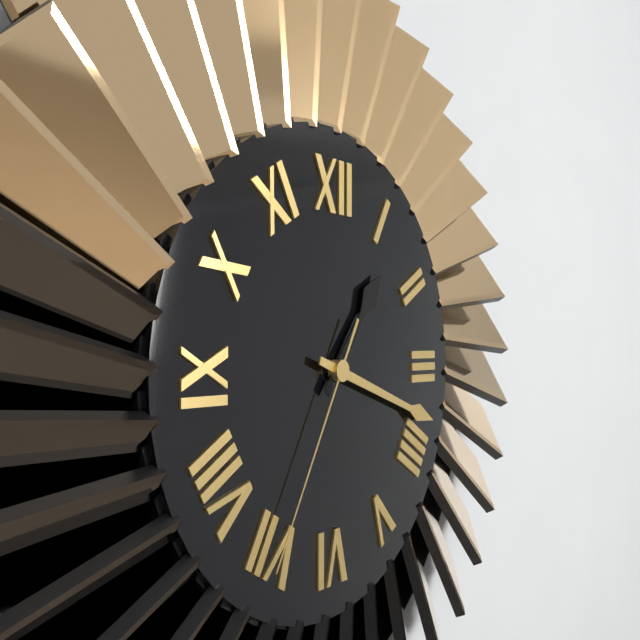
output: 1.18.35
